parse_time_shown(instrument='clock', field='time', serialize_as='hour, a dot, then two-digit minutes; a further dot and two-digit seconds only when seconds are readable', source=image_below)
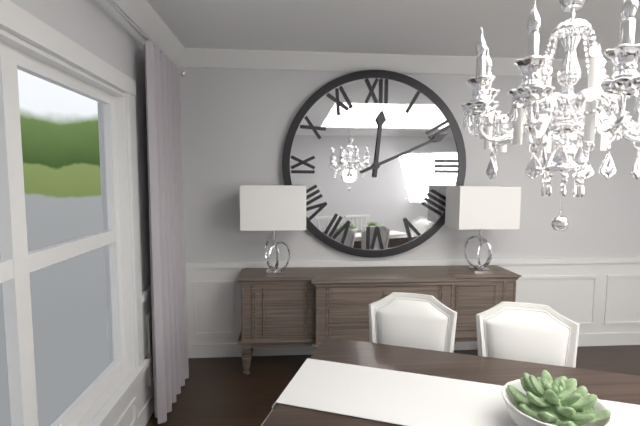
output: 12.11
